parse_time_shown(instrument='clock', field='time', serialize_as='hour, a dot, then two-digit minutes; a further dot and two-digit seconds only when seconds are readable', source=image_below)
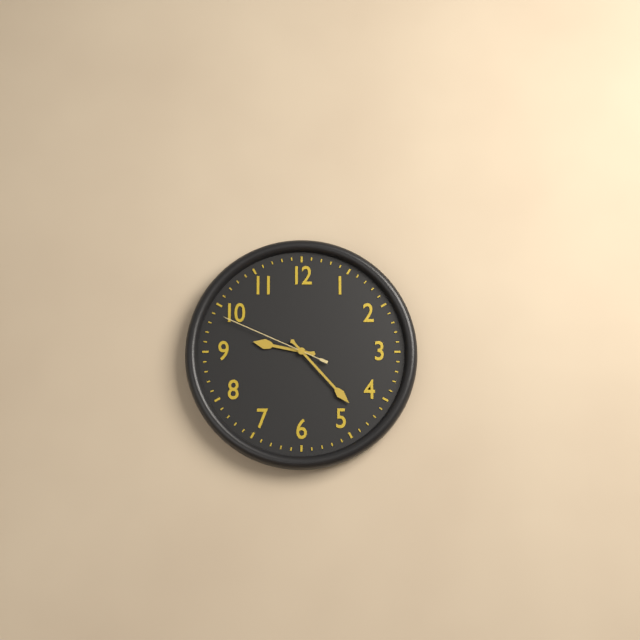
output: 9.23.49
